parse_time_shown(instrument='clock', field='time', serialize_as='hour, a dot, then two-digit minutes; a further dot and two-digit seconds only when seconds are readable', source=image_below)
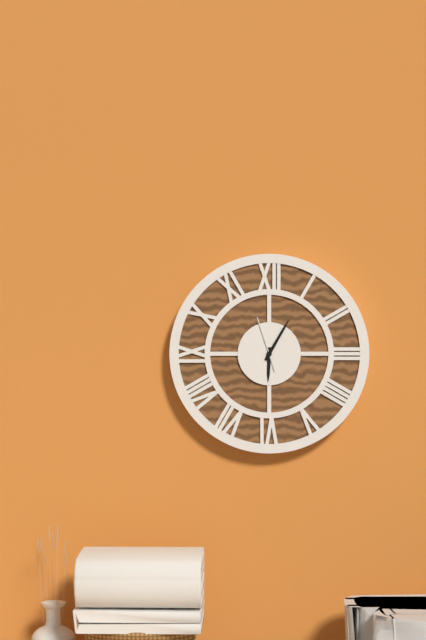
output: 6.05
